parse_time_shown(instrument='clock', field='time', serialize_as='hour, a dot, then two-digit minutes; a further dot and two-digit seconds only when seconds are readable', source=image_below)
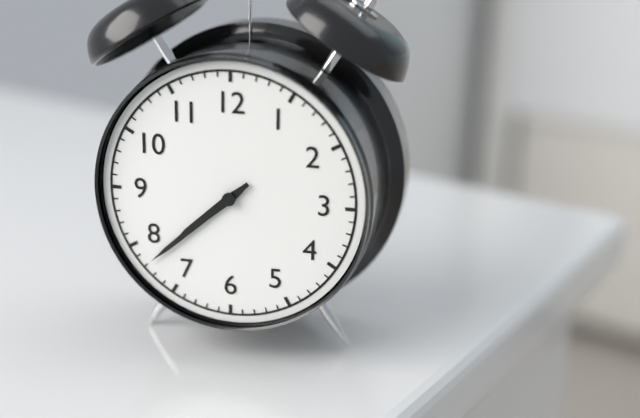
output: 7.38
